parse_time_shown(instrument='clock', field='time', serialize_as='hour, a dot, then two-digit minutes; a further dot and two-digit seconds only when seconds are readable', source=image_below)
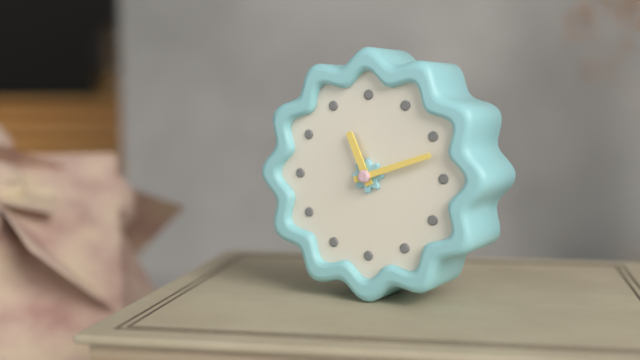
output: 11.12
